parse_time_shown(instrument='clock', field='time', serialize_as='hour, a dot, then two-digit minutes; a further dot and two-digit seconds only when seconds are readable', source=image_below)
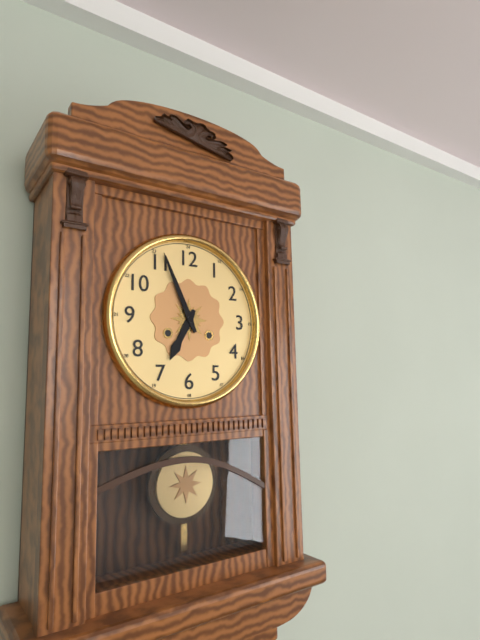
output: 6.56
